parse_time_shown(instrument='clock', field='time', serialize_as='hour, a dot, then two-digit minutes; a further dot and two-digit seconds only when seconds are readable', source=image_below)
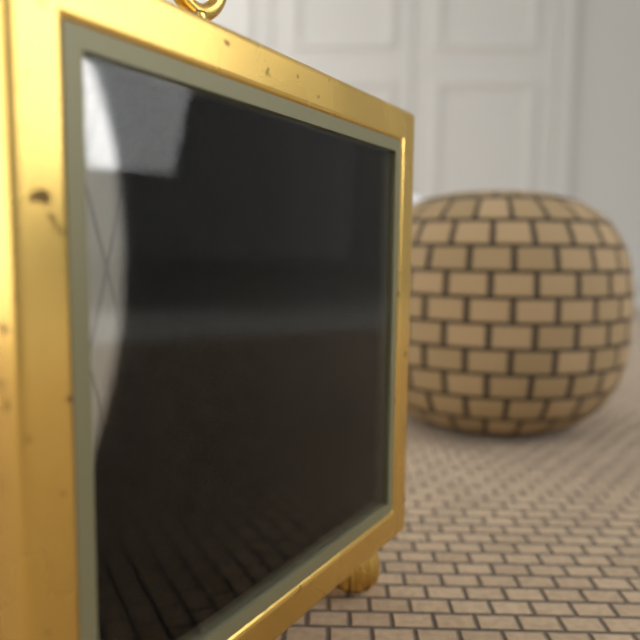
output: 7.39
